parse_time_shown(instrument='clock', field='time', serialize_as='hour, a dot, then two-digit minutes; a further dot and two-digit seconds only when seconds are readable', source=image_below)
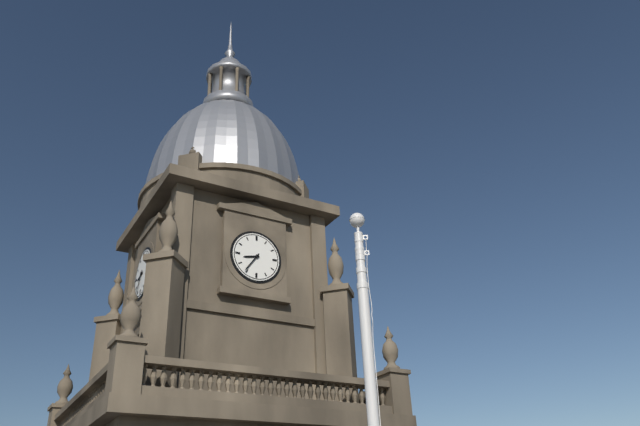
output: 8.36
